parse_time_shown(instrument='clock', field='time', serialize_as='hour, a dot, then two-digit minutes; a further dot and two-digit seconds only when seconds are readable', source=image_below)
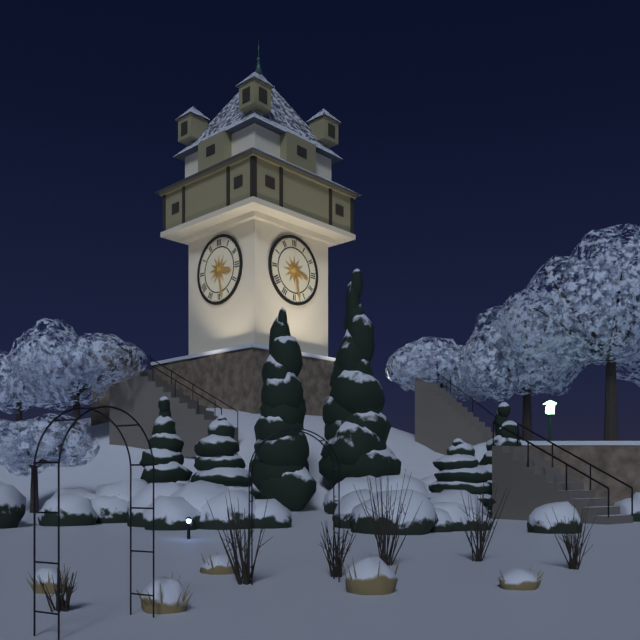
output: 3.28
